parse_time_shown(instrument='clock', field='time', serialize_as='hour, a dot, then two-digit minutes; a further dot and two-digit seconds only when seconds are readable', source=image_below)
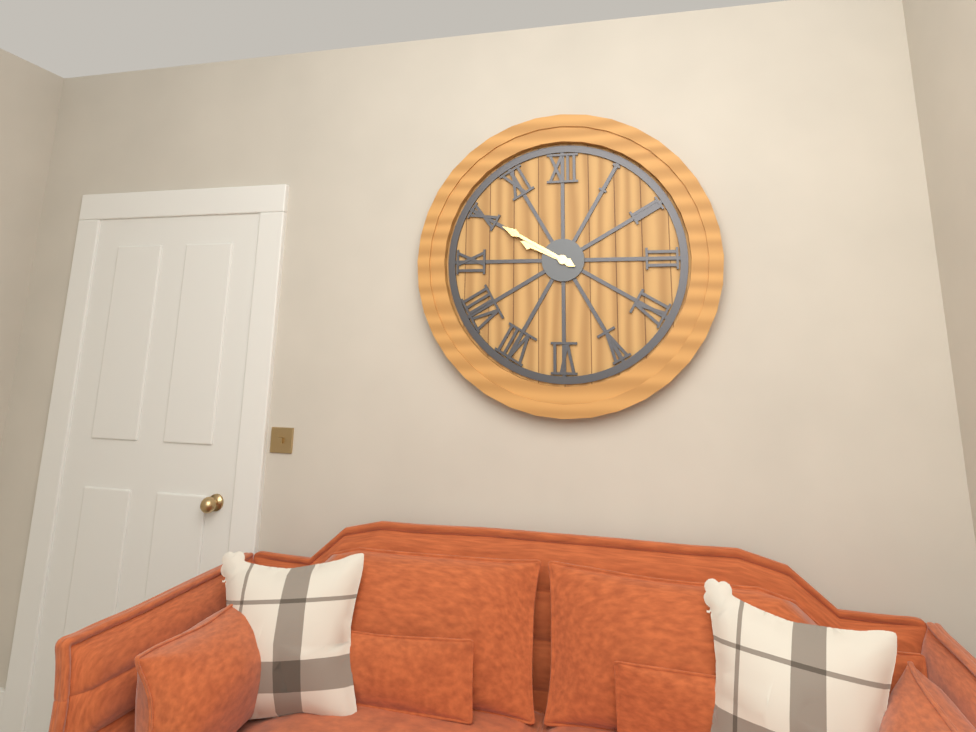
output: 9.50
